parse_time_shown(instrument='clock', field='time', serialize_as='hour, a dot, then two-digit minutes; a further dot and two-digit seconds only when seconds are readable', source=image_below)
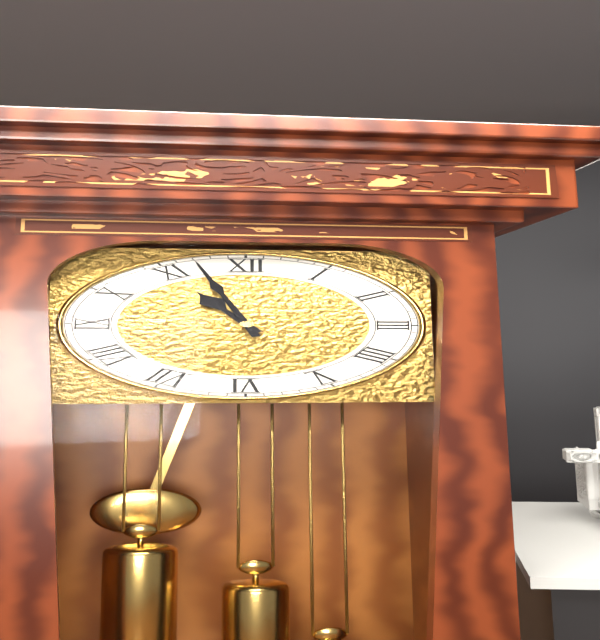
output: 10.57
